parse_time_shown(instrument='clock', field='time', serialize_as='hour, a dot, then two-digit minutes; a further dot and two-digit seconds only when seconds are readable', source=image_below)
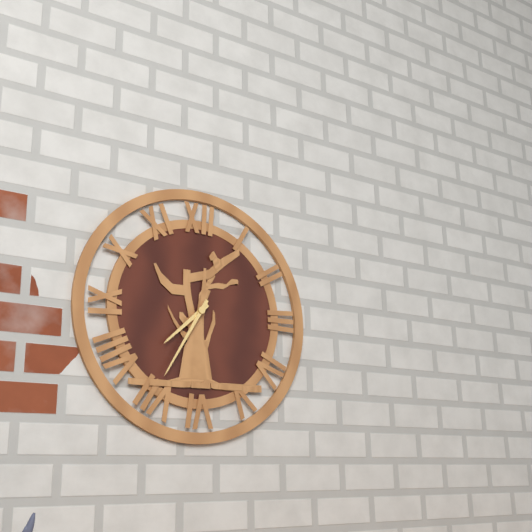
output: 7.35
